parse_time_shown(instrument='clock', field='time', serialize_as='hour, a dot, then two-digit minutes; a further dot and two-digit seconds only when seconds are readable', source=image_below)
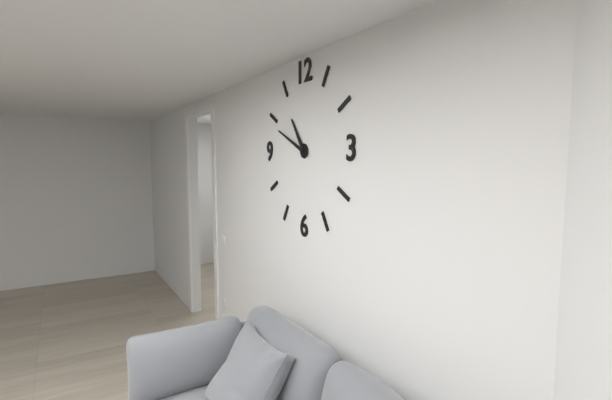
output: 10.49
